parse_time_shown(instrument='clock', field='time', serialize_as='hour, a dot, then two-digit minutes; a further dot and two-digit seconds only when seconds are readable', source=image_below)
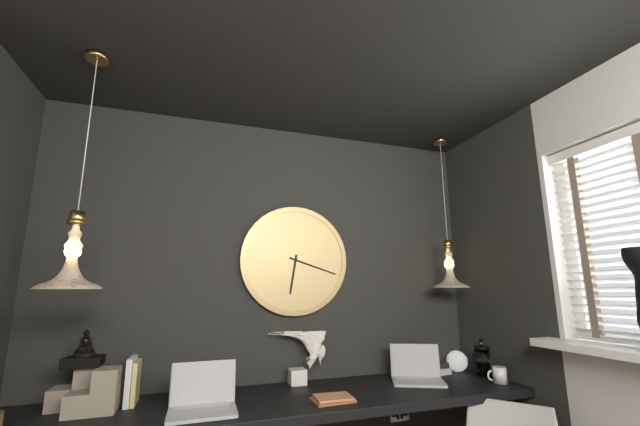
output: 6.18
